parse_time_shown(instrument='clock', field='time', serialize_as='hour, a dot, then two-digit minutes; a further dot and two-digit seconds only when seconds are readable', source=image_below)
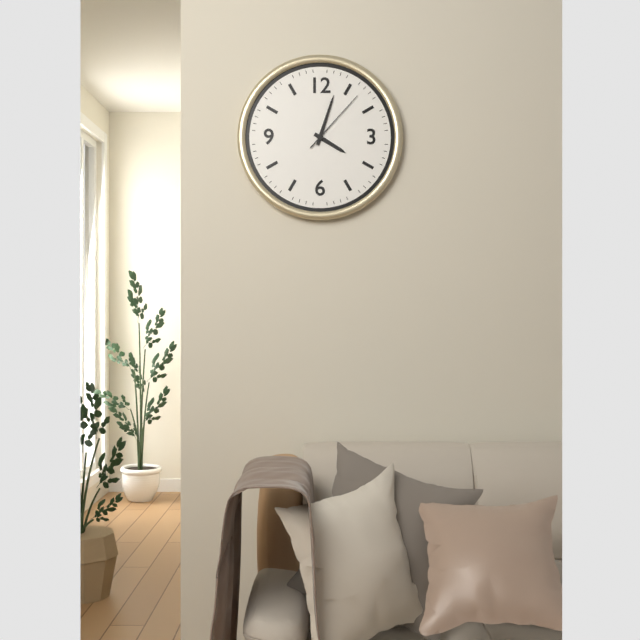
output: 4.03.07
